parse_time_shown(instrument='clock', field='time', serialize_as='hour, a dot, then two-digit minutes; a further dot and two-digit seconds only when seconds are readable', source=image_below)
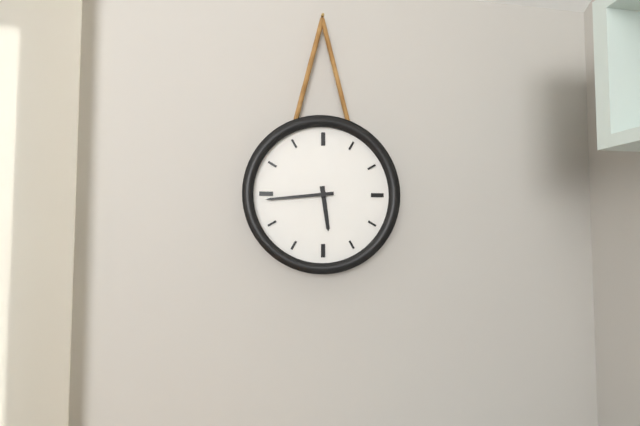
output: 5.44
